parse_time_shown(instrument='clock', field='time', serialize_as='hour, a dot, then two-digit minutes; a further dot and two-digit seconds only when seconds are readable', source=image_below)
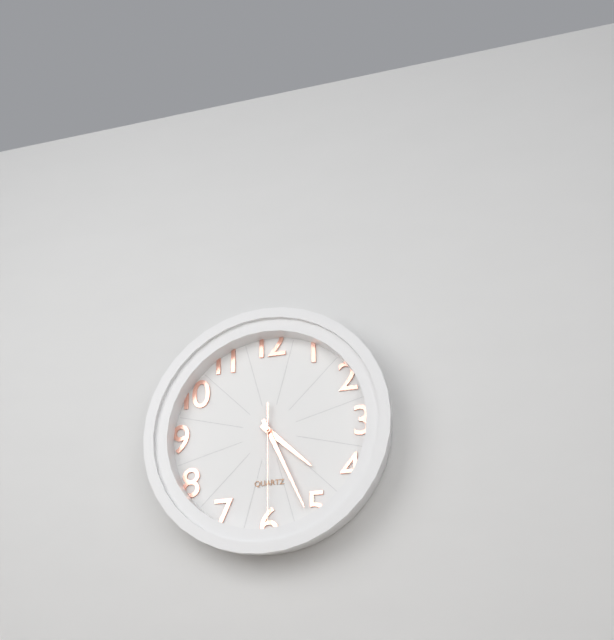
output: 4.26.30
